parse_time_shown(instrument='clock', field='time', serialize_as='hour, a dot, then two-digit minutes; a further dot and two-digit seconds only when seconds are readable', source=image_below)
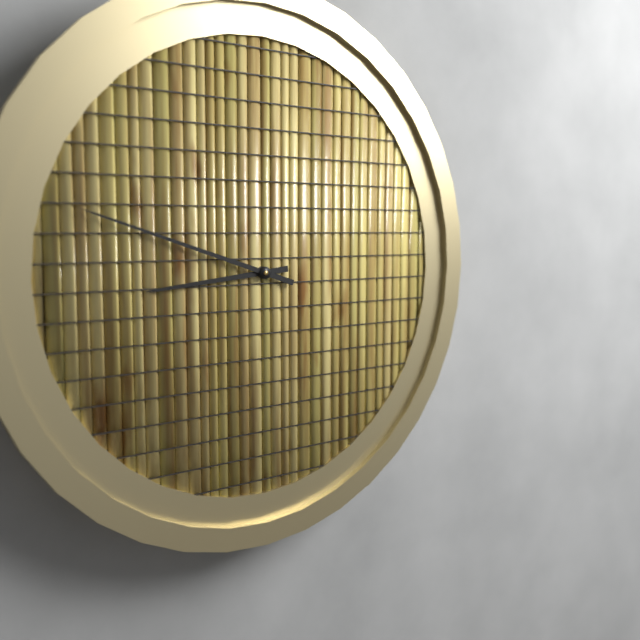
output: 8.48
